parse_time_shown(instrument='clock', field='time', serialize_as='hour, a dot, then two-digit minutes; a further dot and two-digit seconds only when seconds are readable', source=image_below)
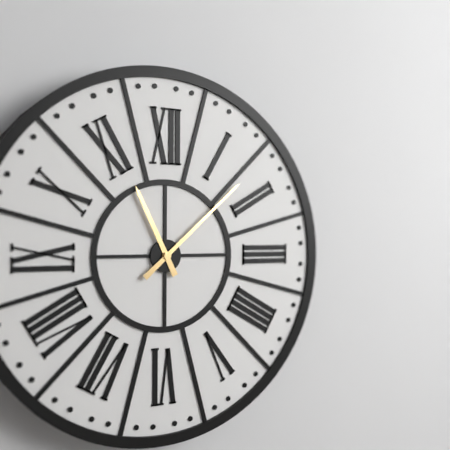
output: 11.08
